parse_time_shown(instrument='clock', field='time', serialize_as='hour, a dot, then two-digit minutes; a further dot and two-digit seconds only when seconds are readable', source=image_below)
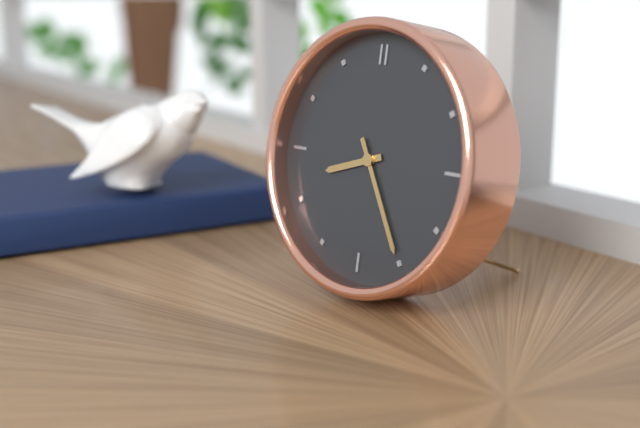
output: 8.25
